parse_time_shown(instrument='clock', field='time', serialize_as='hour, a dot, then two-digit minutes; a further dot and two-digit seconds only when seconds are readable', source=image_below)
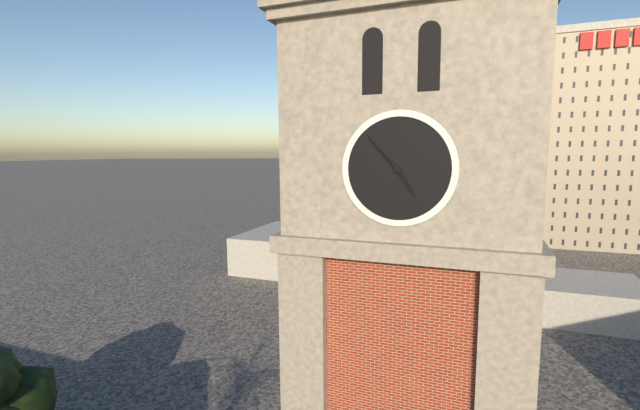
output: 4.53
